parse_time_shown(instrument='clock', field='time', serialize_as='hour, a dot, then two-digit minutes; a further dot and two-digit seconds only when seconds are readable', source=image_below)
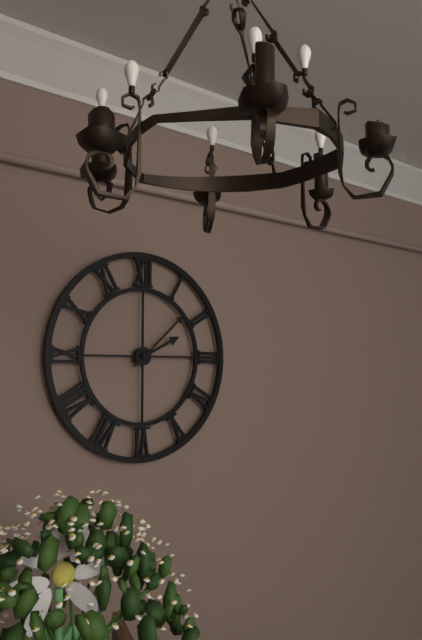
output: 2.08
